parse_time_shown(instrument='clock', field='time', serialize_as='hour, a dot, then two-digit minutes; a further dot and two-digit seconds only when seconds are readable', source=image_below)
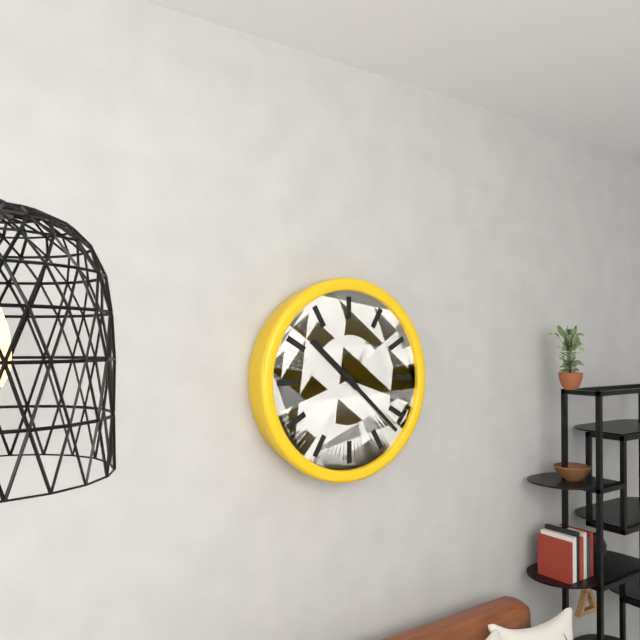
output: 10.22
